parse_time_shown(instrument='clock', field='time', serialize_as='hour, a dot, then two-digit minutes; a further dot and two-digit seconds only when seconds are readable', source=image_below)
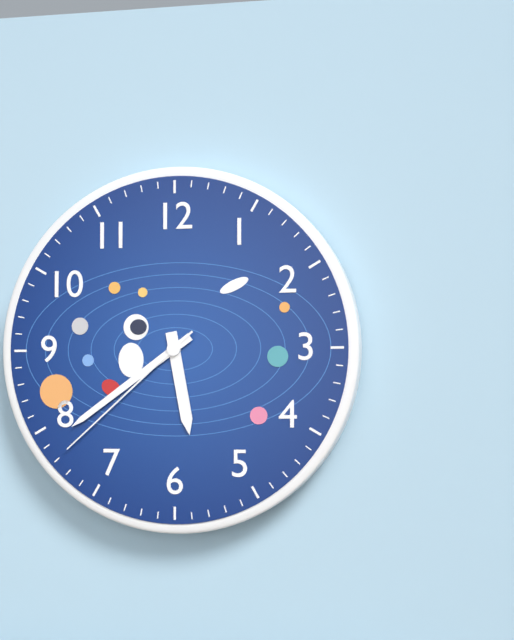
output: 5.39.38
